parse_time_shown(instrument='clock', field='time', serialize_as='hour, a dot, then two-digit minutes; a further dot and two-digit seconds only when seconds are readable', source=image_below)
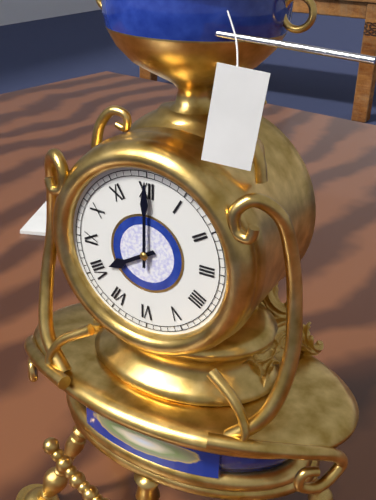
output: 8.00
